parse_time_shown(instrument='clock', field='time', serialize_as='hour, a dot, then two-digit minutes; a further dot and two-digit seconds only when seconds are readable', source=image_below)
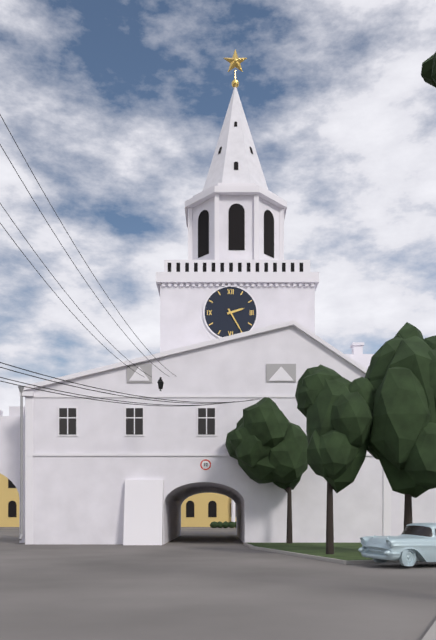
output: 2.25
